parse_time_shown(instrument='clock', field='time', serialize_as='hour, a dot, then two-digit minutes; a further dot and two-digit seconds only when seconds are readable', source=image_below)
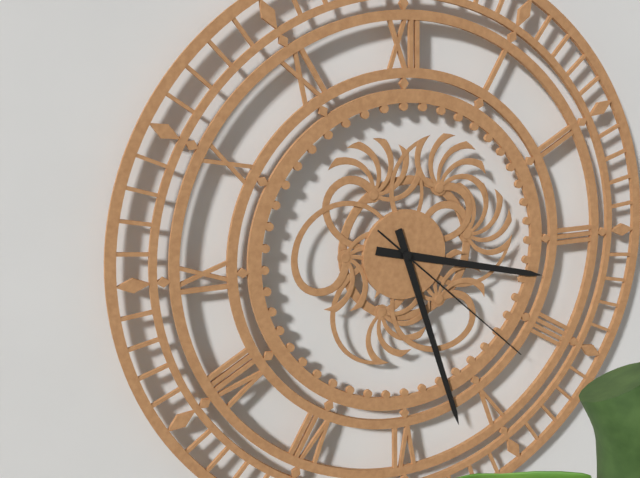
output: 3.27.22
